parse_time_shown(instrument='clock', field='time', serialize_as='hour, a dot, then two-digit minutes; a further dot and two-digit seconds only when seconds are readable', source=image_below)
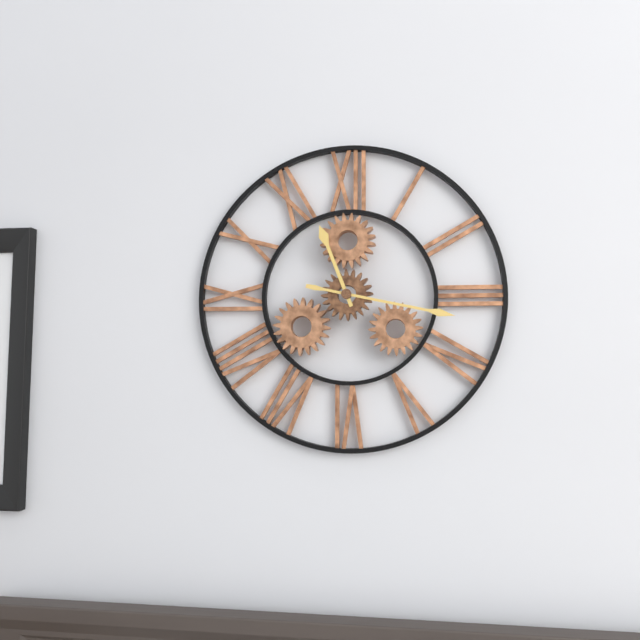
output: 11.17
